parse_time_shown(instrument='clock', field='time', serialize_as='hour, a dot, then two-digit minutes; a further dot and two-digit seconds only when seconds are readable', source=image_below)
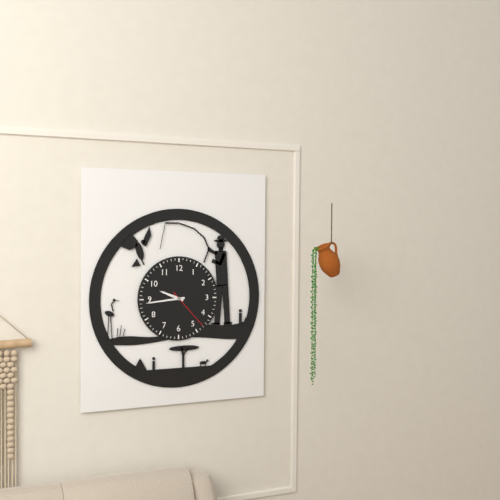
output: 9.44
